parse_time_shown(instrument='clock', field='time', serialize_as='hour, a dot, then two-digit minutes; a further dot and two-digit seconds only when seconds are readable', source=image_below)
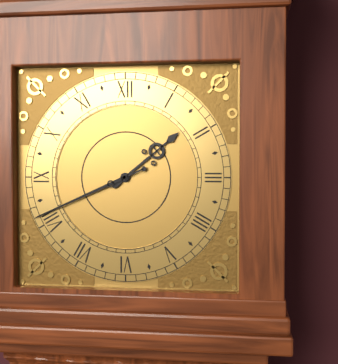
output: 1.41
